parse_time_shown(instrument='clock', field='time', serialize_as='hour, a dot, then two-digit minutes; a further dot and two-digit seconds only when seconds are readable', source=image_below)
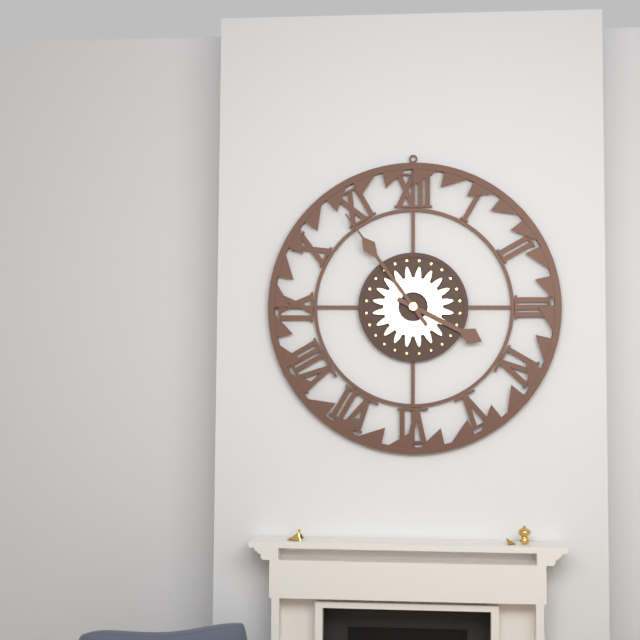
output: 3.54
